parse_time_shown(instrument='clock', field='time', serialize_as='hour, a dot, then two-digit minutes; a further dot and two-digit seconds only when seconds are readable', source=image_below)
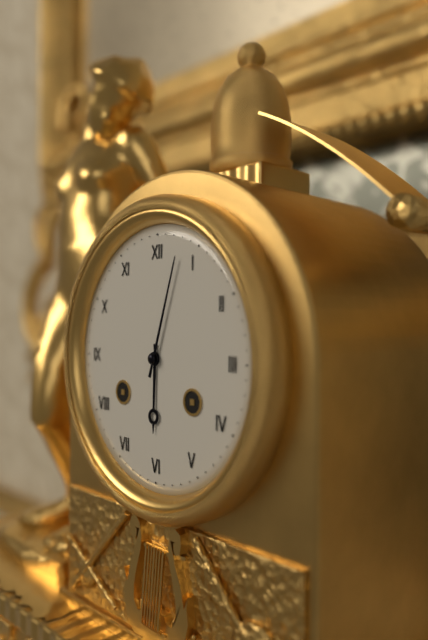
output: 6.03
